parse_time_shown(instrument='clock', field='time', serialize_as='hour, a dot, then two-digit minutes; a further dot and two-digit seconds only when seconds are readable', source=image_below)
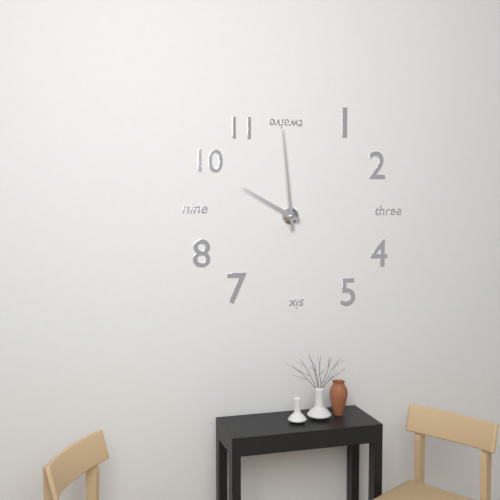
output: 9.59
